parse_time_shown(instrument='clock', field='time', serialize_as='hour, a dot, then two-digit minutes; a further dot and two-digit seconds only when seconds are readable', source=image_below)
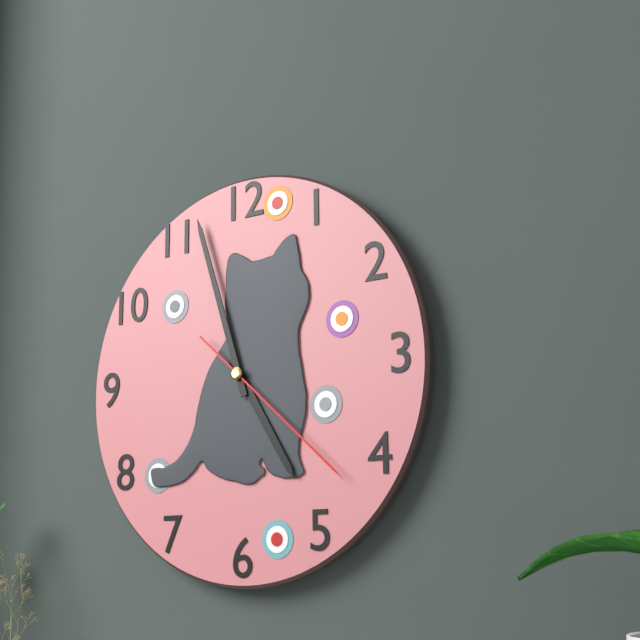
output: 4.57.22
